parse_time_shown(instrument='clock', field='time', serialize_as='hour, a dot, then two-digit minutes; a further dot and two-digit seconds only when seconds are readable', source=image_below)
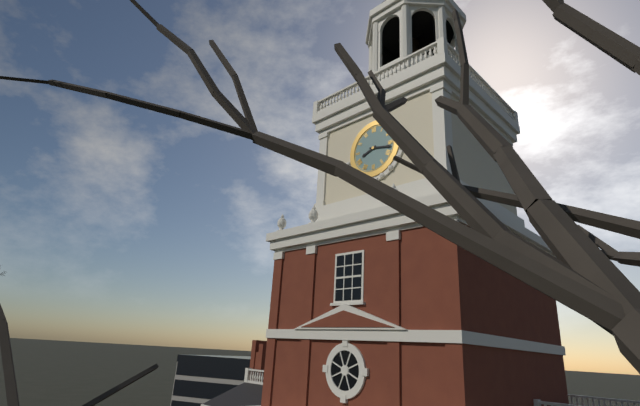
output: 8.17
